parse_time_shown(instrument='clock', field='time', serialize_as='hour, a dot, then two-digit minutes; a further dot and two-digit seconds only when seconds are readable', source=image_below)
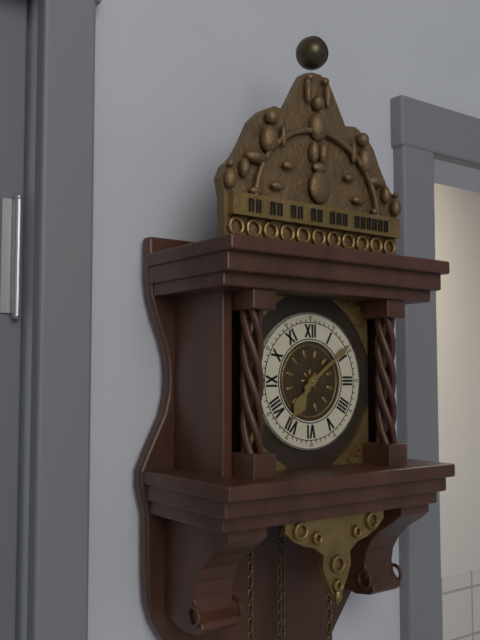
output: 7.09
